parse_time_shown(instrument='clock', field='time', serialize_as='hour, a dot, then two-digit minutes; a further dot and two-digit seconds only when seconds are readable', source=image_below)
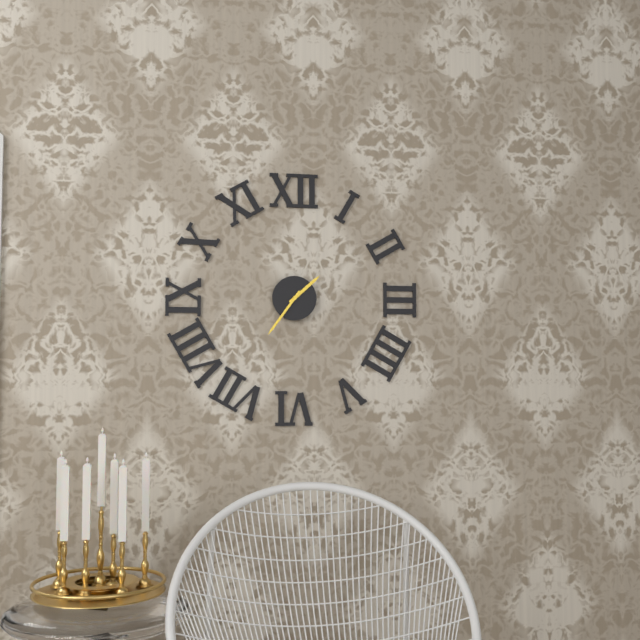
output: 1.36
